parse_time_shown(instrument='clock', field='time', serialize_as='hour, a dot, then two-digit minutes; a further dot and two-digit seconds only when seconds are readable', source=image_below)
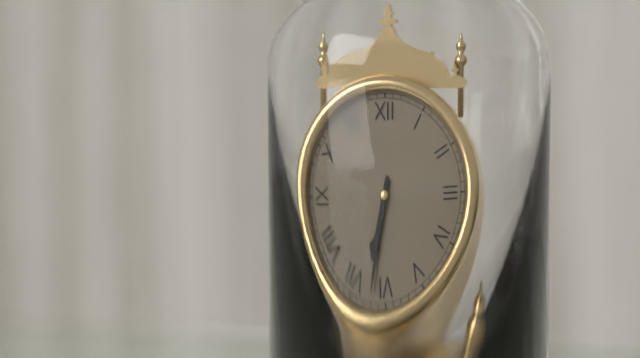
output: 6.32
